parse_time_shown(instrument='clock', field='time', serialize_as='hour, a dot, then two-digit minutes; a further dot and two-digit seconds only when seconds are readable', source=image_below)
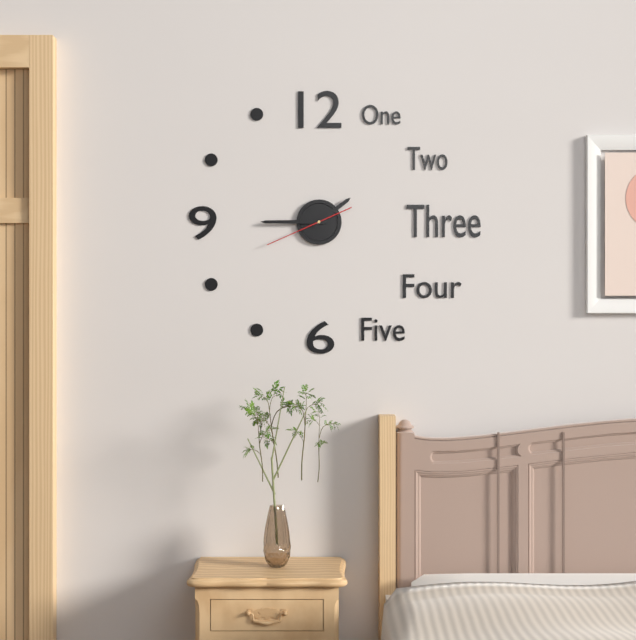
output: 1.45.41
